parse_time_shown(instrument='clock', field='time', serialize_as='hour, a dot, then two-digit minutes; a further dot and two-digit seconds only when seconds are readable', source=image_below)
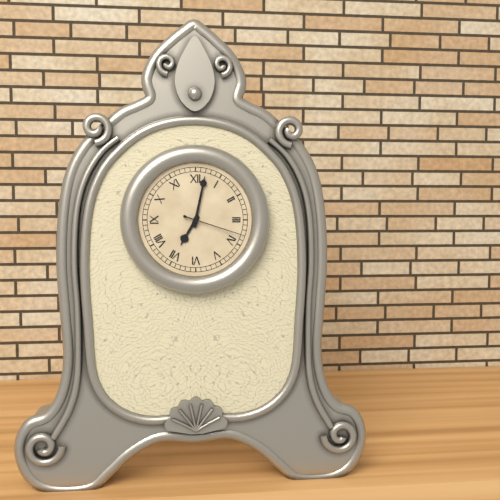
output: 7.02.18
